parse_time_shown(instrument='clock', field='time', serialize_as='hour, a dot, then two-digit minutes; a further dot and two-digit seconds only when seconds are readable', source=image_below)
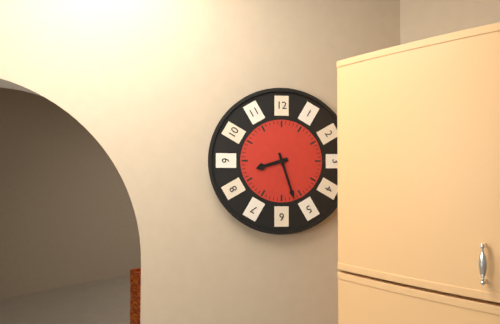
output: 8.27
